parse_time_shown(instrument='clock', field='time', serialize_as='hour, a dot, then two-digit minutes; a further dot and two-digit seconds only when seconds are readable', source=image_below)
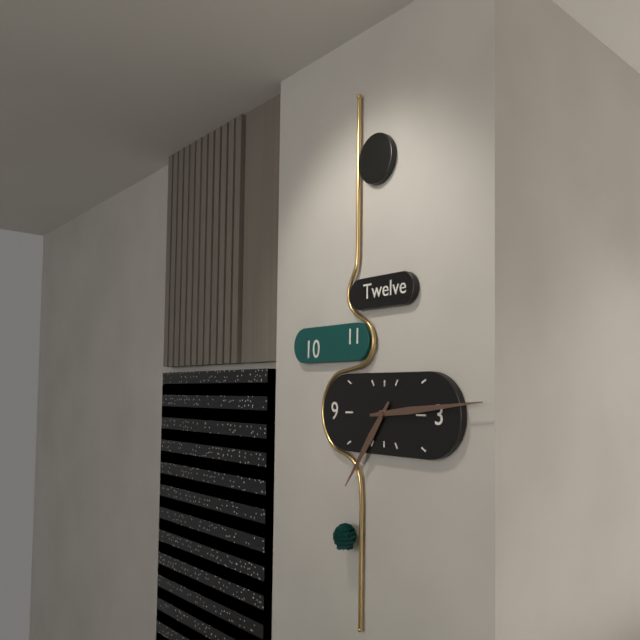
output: 7.14
